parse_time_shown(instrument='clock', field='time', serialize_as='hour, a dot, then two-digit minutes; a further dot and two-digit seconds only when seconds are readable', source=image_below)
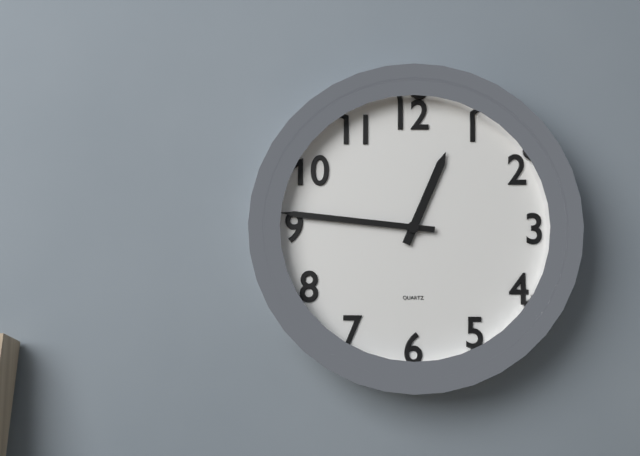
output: 12.46
